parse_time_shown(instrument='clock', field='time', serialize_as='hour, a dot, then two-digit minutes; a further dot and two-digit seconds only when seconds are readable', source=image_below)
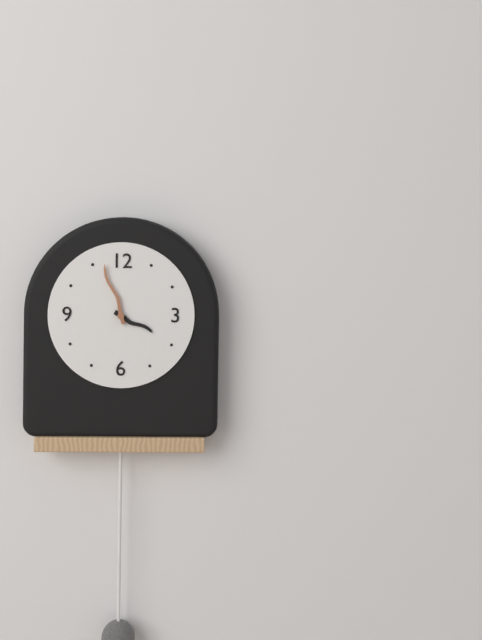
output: 3.57
